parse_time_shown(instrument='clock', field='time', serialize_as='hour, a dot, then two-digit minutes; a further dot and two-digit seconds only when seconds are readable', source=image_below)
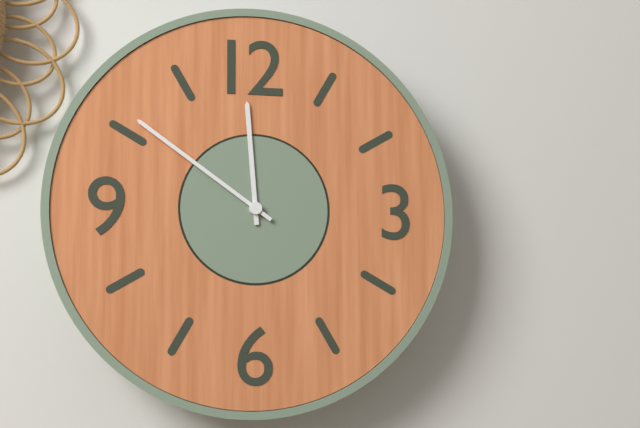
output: 11.51
